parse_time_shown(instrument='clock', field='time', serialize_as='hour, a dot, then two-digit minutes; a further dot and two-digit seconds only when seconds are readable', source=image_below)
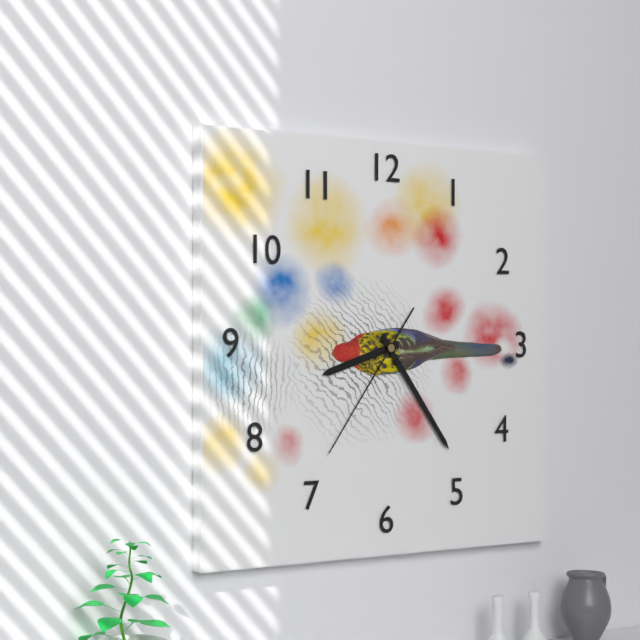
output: 8.24.36
